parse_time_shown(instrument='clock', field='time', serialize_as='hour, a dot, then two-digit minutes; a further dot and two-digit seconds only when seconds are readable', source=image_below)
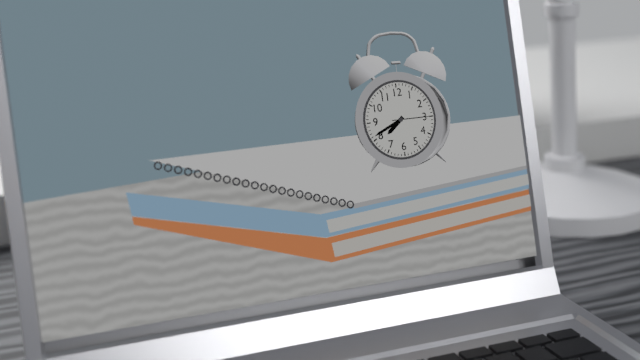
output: 7.41
